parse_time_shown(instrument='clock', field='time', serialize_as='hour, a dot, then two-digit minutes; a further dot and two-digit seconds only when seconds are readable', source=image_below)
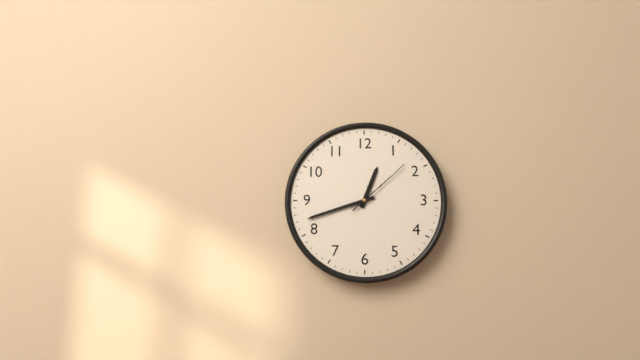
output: 12.42.08
